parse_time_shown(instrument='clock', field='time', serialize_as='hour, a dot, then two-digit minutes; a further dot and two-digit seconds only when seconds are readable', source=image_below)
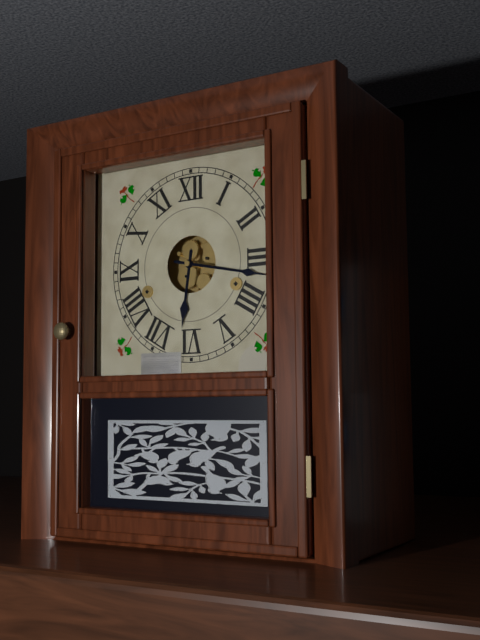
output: 6.17
